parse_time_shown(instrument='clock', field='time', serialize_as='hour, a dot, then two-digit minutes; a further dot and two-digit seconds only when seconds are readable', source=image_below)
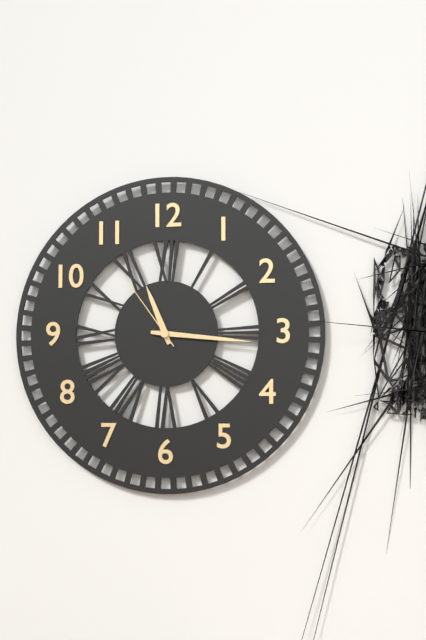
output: 11.16.54
